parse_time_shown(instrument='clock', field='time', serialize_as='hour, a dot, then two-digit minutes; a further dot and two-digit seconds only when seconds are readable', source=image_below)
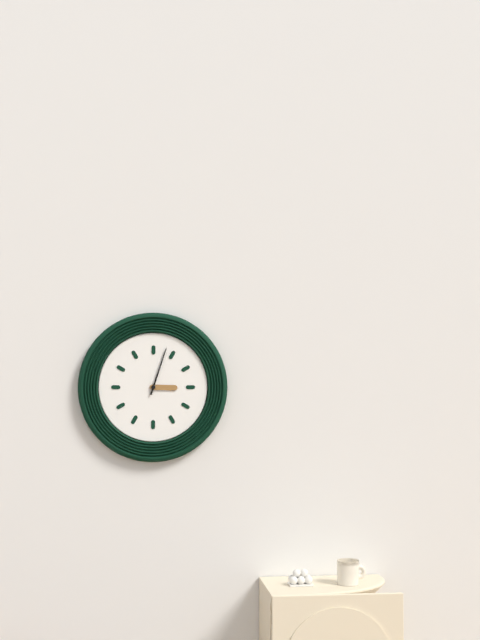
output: 3.03
